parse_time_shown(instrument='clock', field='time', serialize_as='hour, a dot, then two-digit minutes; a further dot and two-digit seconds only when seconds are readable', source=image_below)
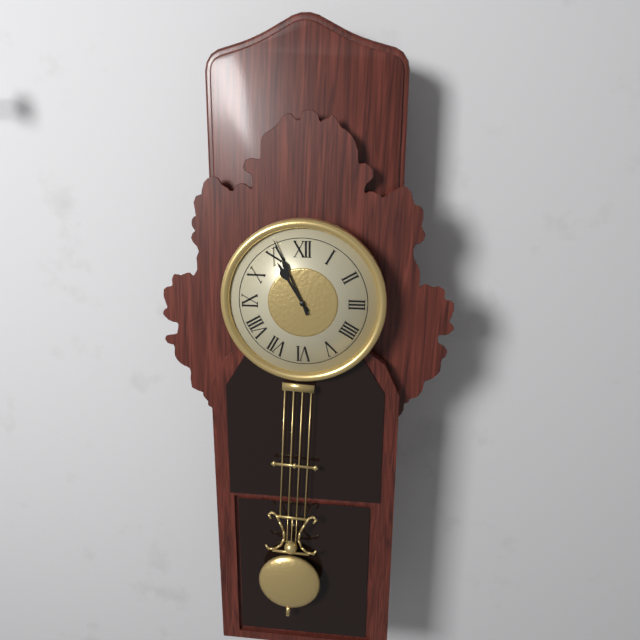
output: 10.56
